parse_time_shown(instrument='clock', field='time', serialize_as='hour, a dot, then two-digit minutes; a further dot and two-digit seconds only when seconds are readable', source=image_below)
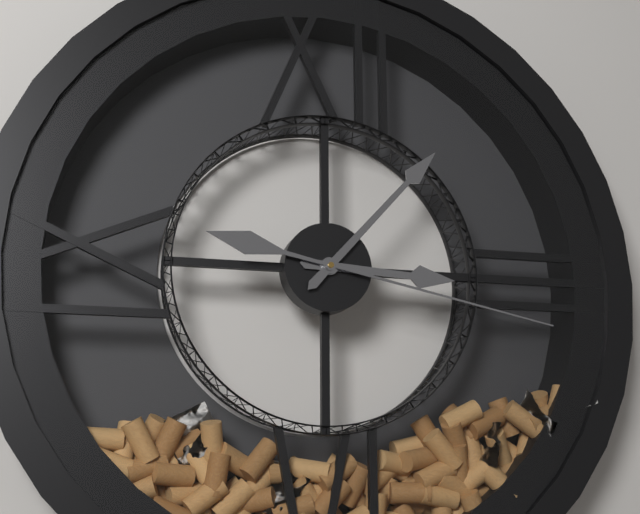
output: 3.07.17
